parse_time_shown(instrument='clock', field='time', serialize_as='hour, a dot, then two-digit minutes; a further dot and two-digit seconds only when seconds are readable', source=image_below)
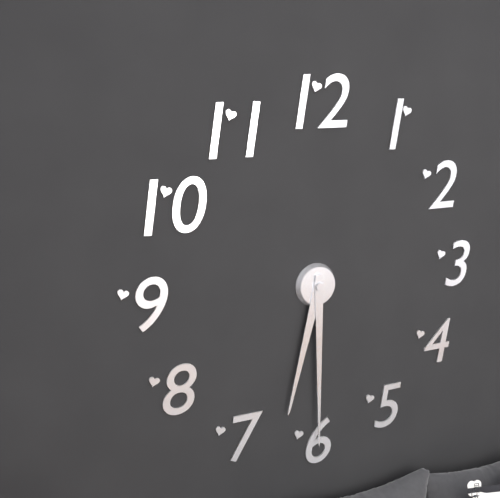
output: 6.30
